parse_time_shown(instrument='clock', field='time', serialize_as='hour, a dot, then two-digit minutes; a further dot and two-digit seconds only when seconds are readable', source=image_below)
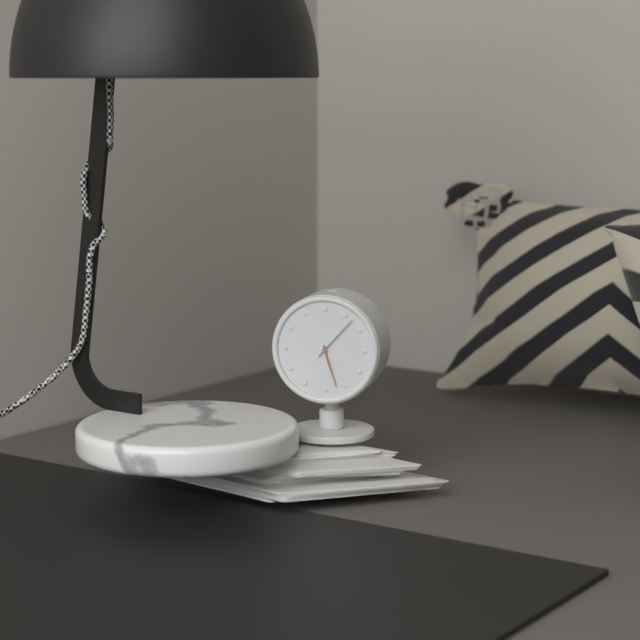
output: 5.27.07
